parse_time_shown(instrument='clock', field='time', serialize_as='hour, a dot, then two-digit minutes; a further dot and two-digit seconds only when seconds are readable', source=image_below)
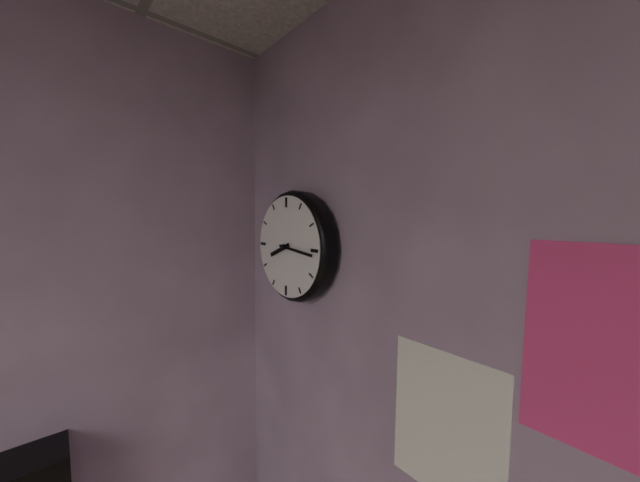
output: 8.16
